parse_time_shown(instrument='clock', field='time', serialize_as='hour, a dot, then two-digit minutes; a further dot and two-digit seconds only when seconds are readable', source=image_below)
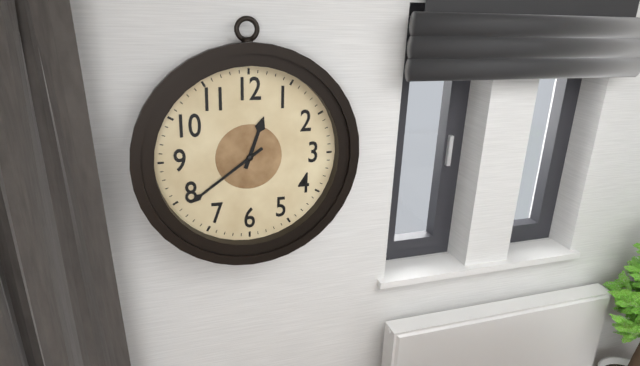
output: 12.39
